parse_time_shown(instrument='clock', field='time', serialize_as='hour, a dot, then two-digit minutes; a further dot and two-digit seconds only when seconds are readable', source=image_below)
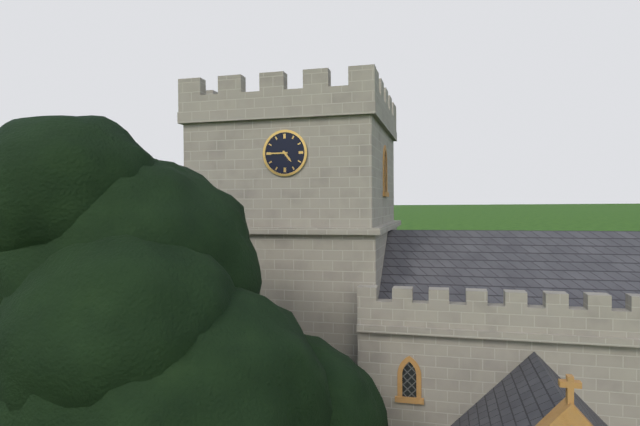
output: 4.45
